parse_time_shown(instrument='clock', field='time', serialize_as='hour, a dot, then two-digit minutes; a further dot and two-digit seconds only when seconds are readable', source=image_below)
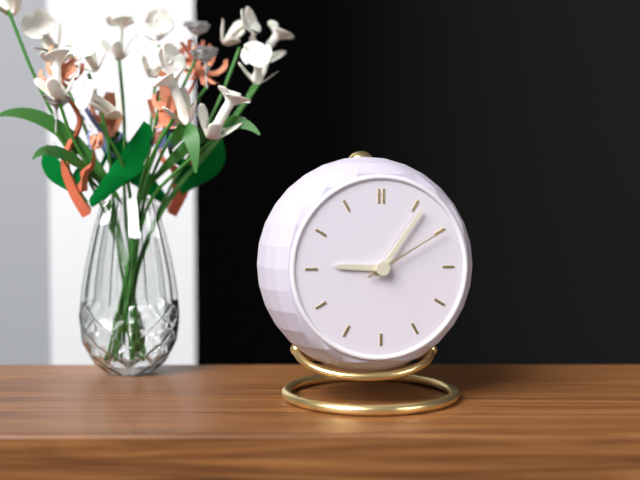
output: 9.06.10
